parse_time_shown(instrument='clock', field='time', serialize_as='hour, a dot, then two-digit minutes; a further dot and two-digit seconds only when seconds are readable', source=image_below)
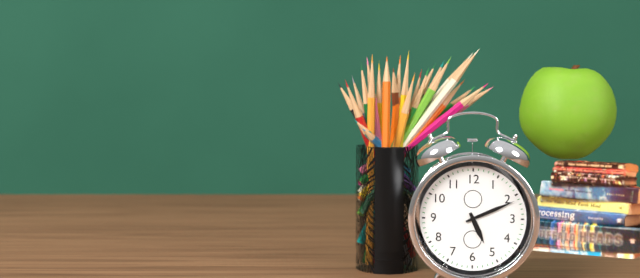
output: 5.11
